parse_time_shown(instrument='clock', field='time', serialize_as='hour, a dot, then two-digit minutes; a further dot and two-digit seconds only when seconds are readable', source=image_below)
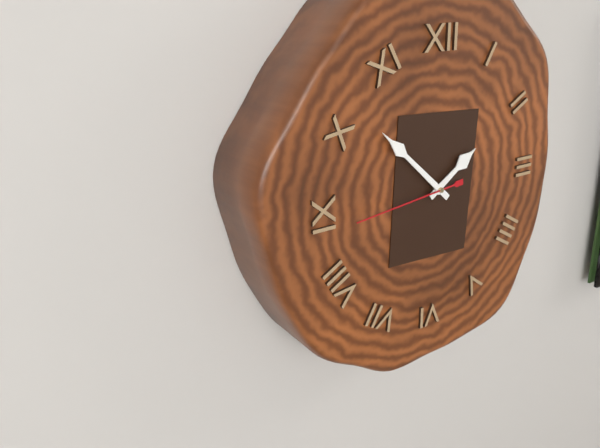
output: 1.52.44
